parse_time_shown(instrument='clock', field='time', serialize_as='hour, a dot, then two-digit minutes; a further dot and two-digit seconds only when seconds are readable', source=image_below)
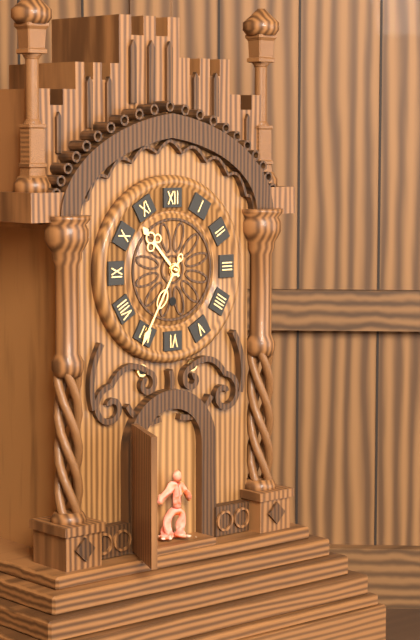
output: 10.35
